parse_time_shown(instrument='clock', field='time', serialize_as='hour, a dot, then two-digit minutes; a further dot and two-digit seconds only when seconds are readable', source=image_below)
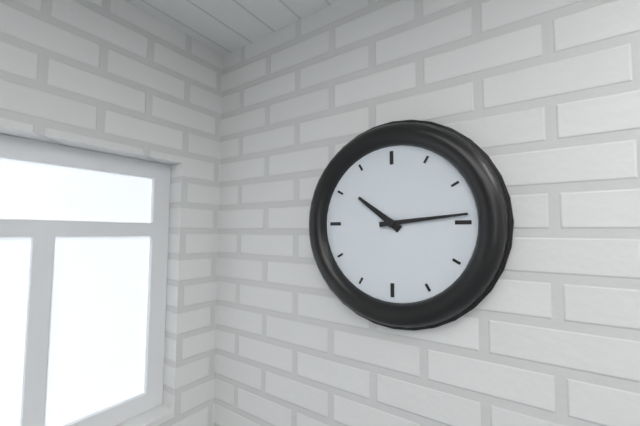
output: 10.14
